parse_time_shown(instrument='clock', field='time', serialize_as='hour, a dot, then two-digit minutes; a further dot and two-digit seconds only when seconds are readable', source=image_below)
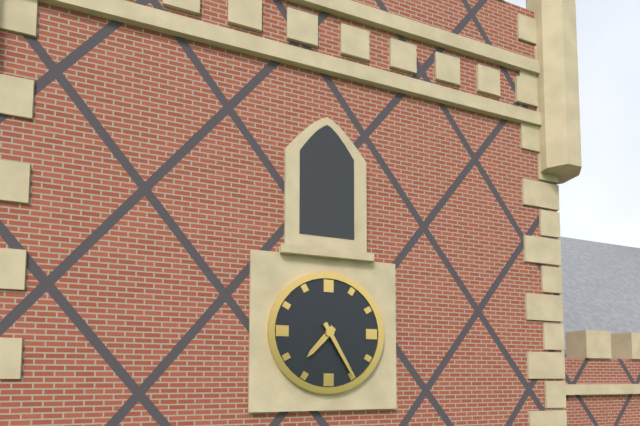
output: 7.25
